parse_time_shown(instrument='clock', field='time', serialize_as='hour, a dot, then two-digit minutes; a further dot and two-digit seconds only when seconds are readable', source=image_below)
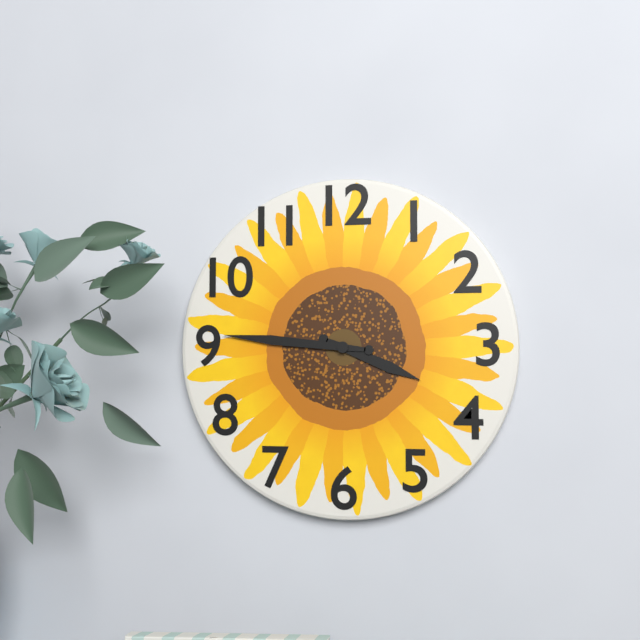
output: 3.46
